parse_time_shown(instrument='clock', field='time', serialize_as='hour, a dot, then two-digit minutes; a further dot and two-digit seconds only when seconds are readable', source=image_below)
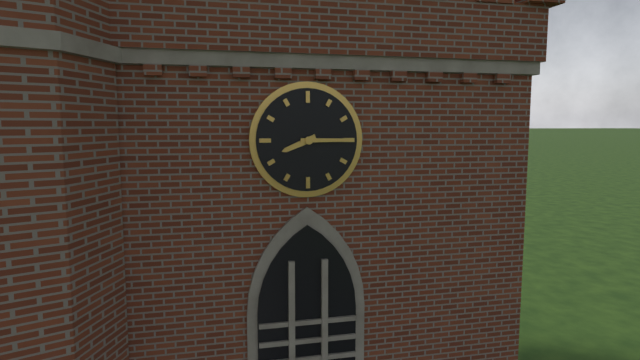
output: 8.15
